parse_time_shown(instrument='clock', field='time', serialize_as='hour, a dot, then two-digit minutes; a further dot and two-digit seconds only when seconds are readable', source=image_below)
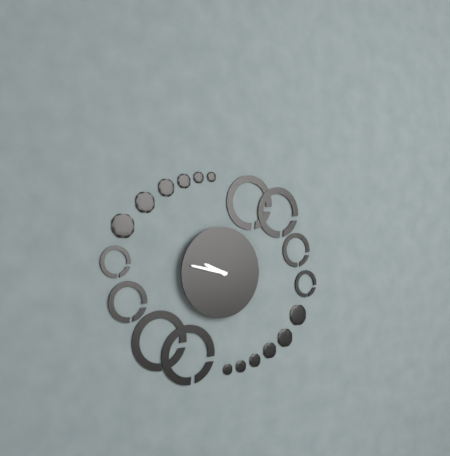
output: 9.47
